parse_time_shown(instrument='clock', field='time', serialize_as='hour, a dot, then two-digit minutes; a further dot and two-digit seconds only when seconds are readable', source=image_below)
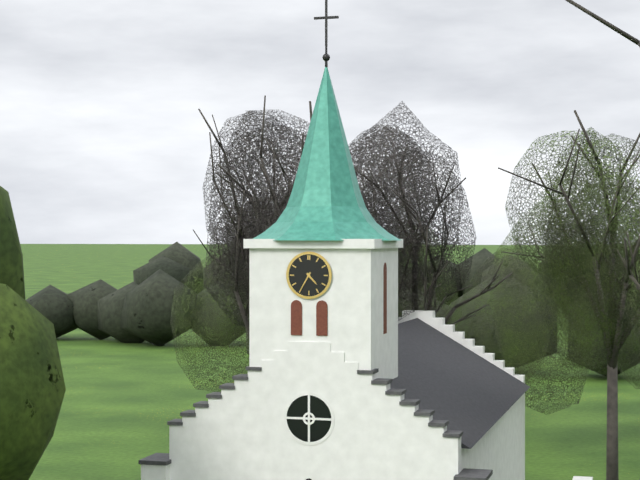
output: 4.35
